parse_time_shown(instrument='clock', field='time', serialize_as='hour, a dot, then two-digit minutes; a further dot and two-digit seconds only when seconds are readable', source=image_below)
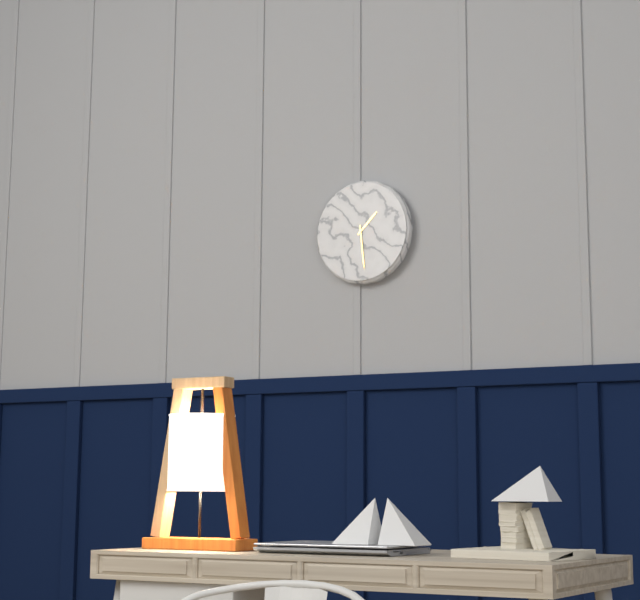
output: 1.29
